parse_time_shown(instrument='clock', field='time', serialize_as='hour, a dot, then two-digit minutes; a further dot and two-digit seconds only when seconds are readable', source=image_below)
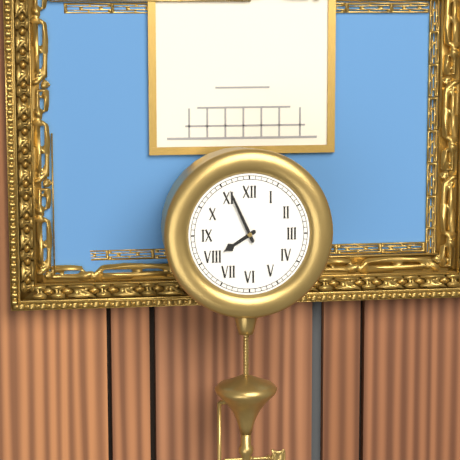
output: 7.56
